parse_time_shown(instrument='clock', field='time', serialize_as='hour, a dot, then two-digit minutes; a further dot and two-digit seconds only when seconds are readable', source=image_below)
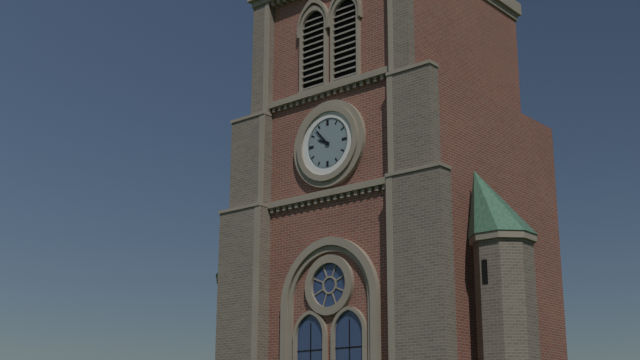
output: 9.53
